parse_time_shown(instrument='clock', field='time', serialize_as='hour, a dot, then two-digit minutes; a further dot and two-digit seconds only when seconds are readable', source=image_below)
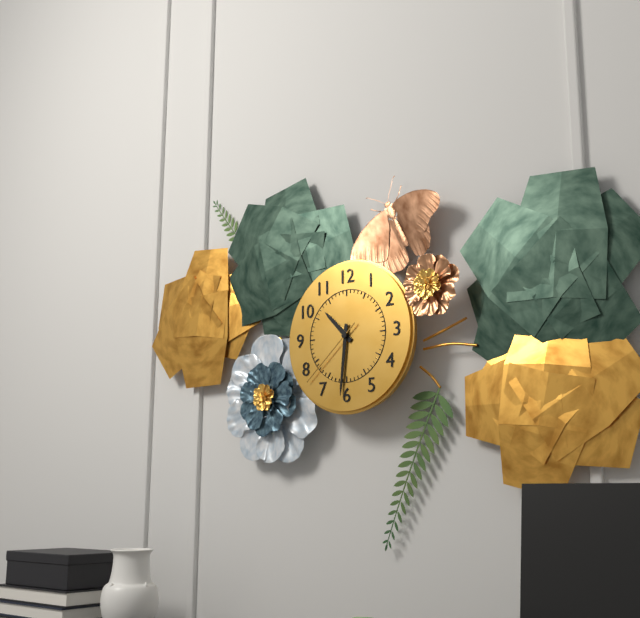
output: 10.31.38
